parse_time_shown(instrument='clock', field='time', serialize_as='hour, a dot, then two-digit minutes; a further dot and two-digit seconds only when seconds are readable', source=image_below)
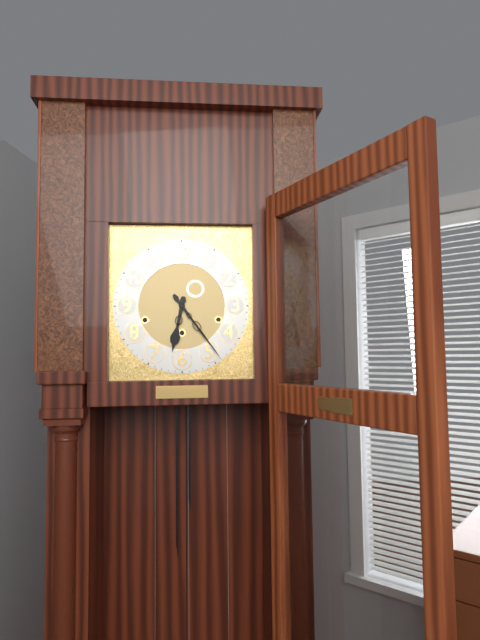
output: 6.24
